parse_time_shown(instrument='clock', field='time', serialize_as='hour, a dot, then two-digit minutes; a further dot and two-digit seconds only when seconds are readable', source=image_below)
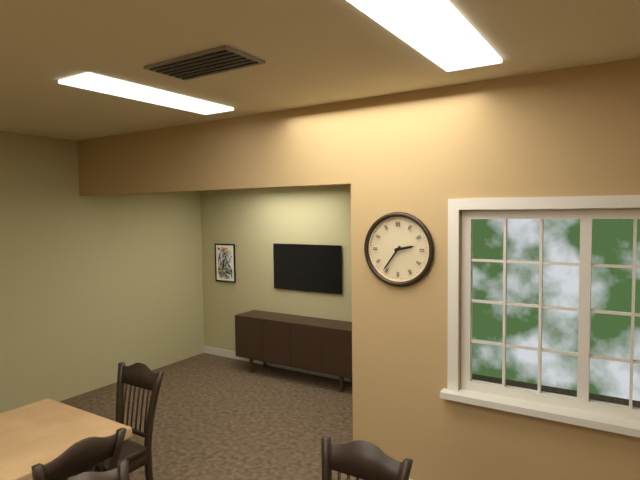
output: 2.36
